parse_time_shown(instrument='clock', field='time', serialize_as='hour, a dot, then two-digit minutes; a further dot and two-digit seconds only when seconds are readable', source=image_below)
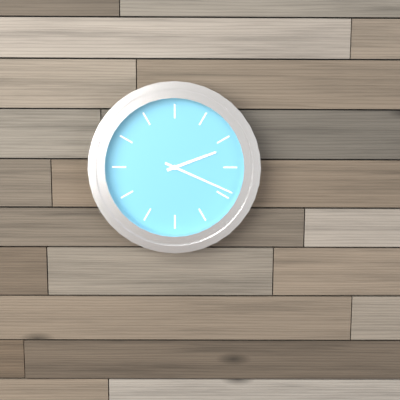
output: 2.19
